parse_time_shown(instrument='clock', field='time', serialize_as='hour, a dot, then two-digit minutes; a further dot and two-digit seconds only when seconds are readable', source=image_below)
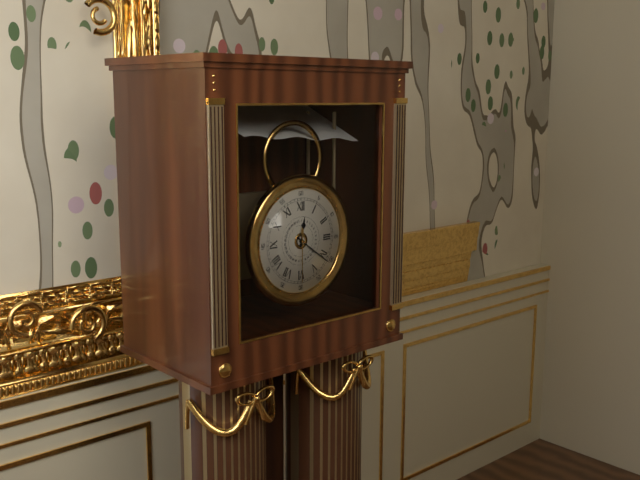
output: 12.21.30
